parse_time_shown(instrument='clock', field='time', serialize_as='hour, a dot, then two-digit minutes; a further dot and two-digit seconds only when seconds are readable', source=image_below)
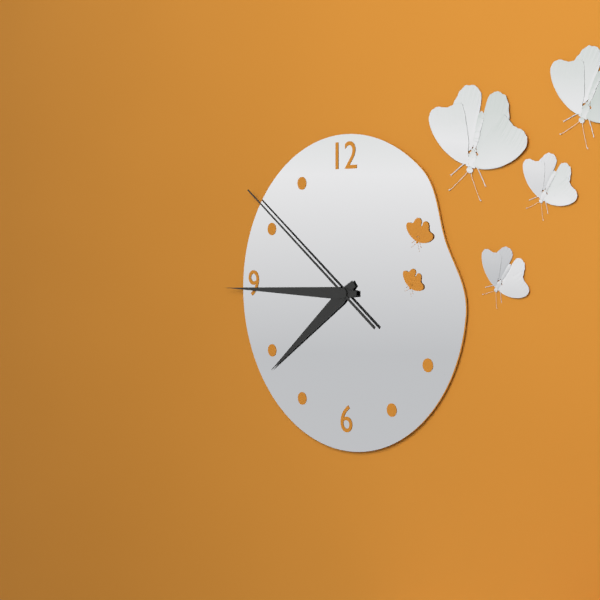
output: 7.45.51
